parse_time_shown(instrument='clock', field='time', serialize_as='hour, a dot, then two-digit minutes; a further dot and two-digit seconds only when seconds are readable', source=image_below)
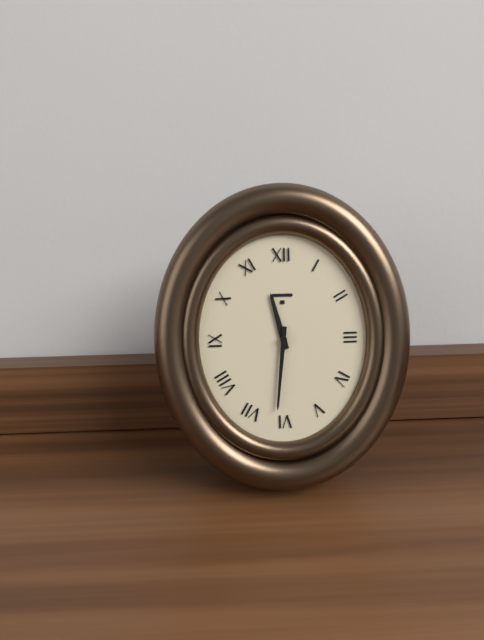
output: 11.31
